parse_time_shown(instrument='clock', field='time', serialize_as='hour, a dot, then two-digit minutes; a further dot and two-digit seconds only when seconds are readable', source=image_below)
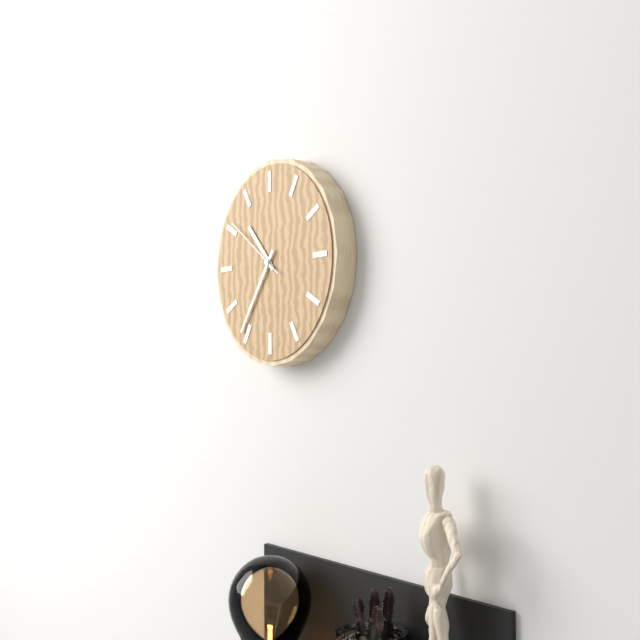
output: 10.36.51
